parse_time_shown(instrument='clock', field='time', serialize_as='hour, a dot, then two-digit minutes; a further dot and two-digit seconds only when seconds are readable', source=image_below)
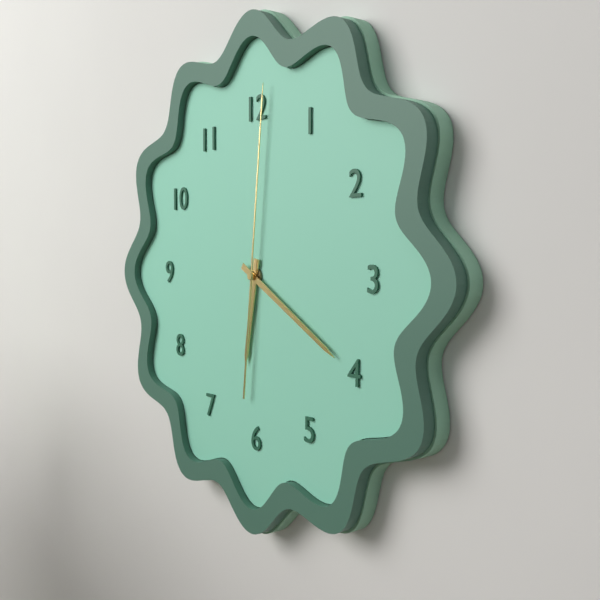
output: 6.20.01
